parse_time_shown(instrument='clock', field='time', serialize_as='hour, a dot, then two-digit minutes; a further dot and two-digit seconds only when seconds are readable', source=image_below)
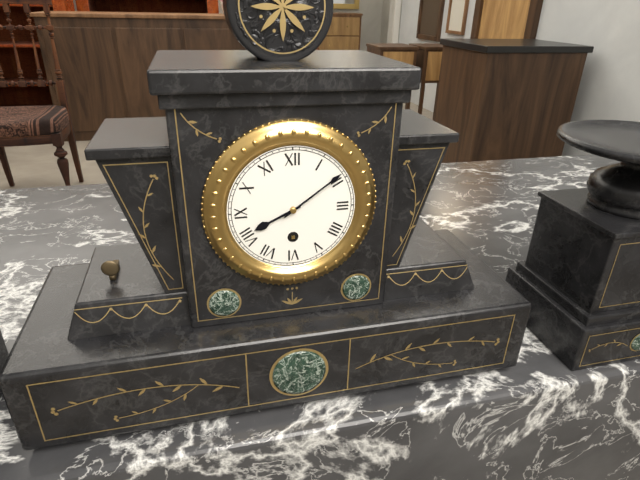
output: 8.09
